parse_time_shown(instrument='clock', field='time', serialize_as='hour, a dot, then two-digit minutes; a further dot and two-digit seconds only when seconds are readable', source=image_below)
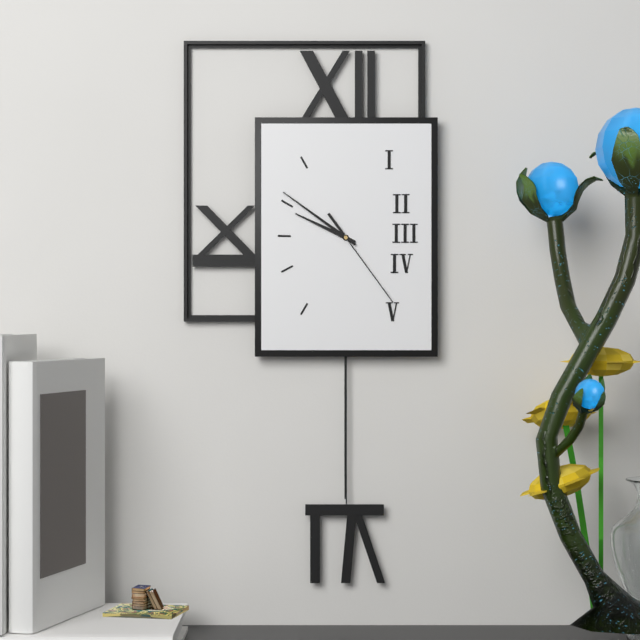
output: 9.51.24
